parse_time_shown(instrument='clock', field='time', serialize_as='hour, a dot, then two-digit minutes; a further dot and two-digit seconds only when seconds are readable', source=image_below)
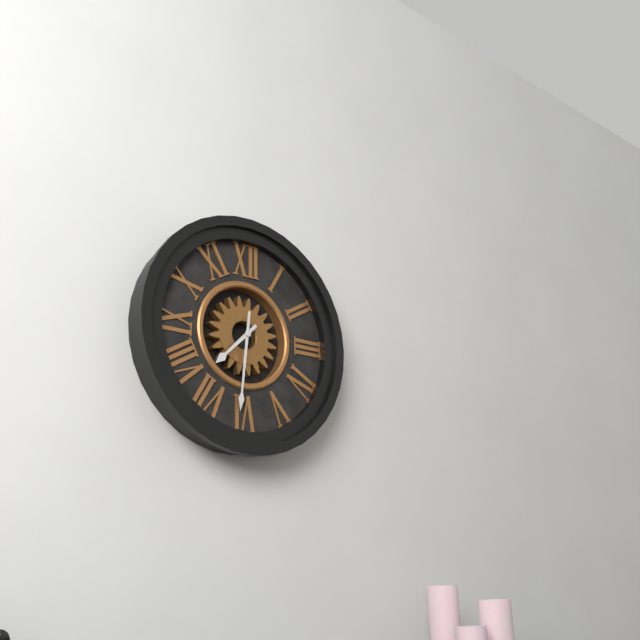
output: 7.31
